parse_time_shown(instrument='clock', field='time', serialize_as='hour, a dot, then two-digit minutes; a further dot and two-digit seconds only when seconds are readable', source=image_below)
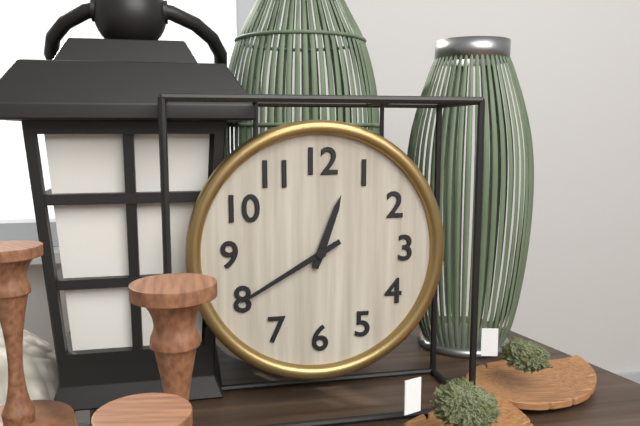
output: 12.40
